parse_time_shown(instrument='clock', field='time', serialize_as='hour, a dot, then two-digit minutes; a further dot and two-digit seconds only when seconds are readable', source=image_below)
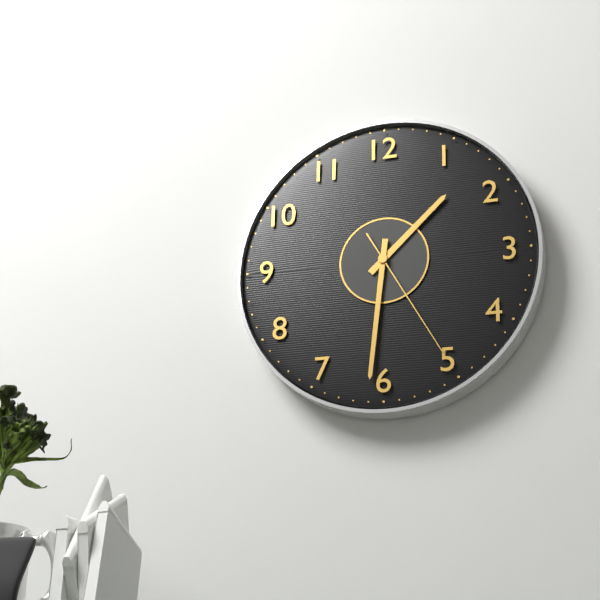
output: 1.31.25
